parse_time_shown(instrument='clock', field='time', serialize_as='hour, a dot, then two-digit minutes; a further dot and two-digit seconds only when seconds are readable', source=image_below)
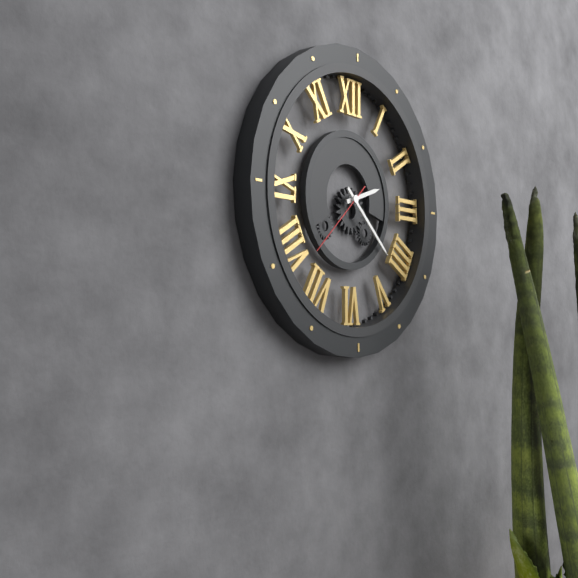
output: 2.22.38
